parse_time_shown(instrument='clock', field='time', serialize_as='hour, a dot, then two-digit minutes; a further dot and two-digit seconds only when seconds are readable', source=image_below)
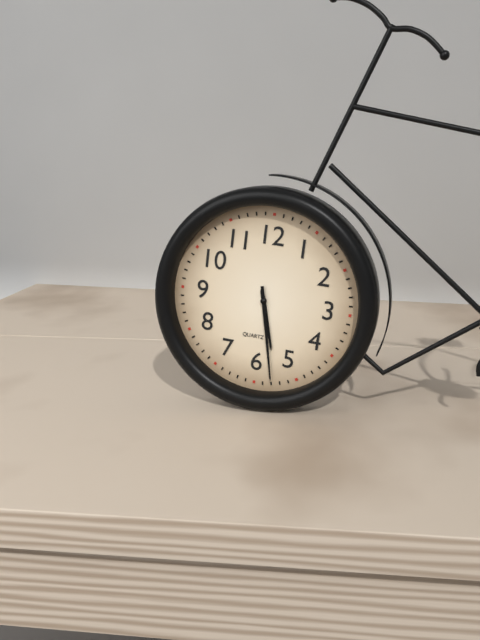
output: 5.28
